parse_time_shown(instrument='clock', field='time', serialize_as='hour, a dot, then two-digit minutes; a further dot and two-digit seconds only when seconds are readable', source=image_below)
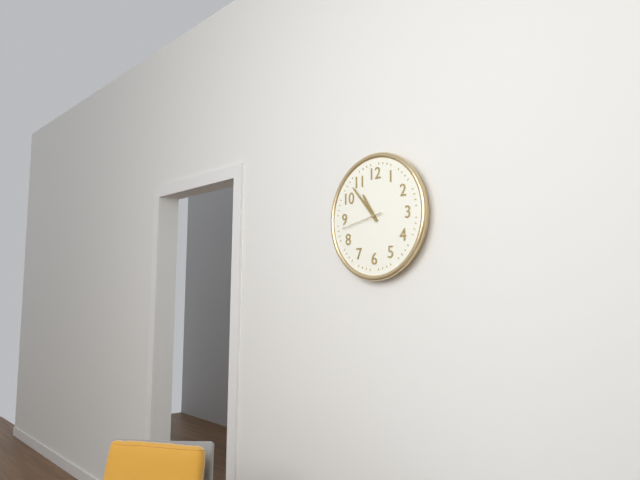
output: 10.53
